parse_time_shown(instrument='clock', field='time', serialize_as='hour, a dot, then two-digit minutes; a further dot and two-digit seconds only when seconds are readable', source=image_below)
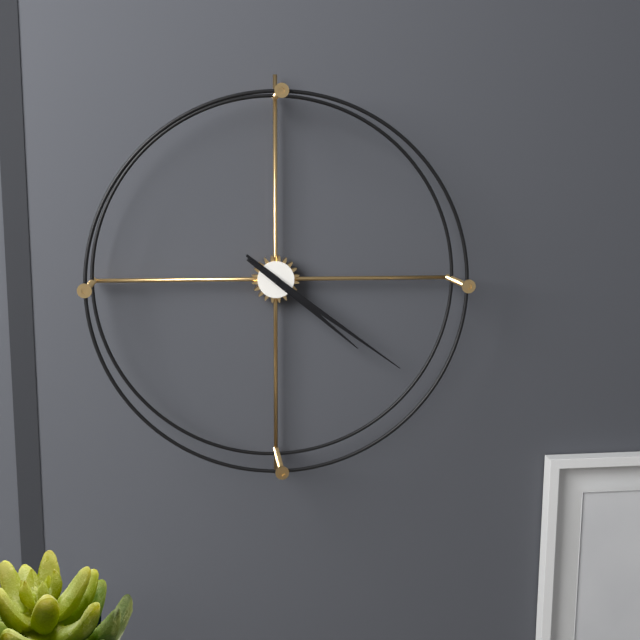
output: 4.21
